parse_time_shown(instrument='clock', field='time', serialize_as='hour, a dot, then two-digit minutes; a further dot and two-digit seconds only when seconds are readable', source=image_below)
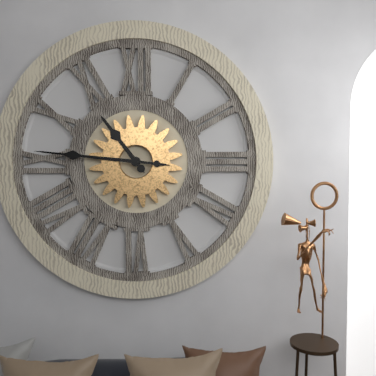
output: 10.46
